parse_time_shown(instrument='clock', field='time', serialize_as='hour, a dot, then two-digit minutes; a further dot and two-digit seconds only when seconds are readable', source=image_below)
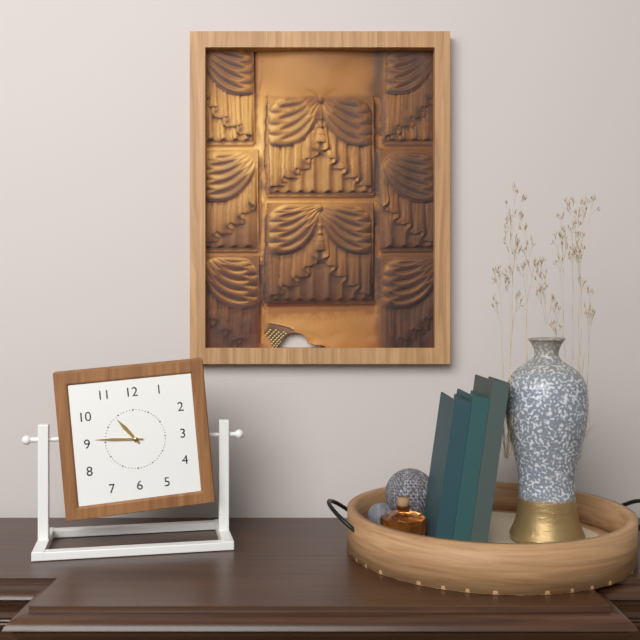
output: 10.46
